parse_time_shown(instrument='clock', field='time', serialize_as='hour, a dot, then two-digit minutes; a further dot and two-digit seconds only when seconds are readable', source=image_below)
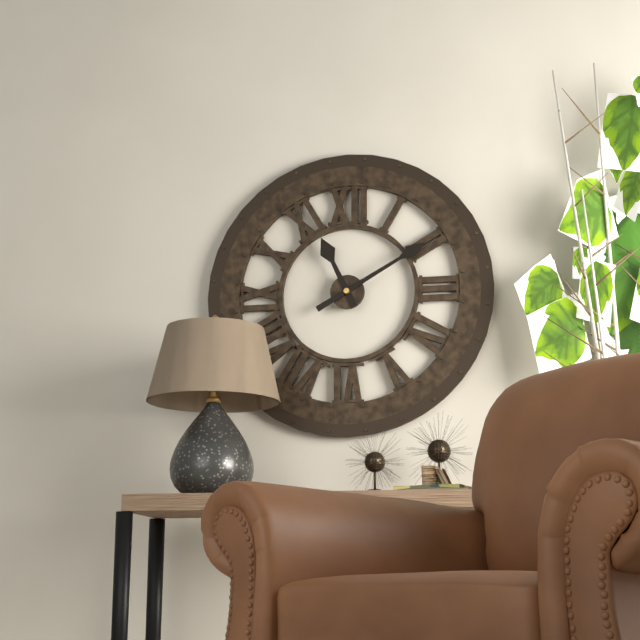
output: 11.10
